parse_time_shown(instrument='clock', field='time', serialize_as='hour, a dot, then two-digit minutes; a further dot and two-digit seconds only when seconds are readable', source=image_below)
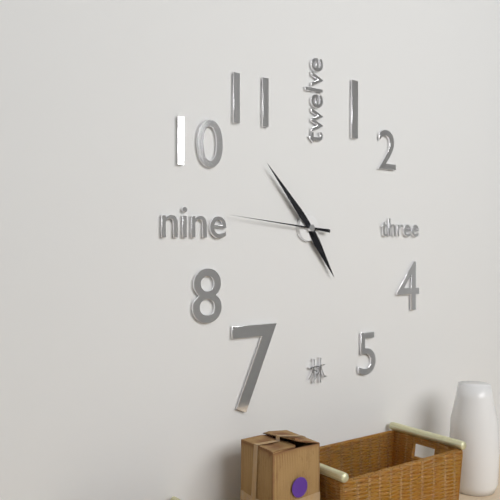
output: 4.53.46
